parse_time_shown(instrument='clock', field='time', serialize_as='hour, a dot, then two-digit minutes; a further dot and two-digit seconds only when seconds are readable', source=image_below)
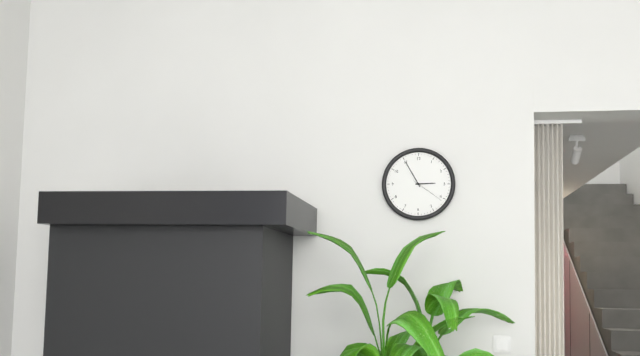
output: 2.55
